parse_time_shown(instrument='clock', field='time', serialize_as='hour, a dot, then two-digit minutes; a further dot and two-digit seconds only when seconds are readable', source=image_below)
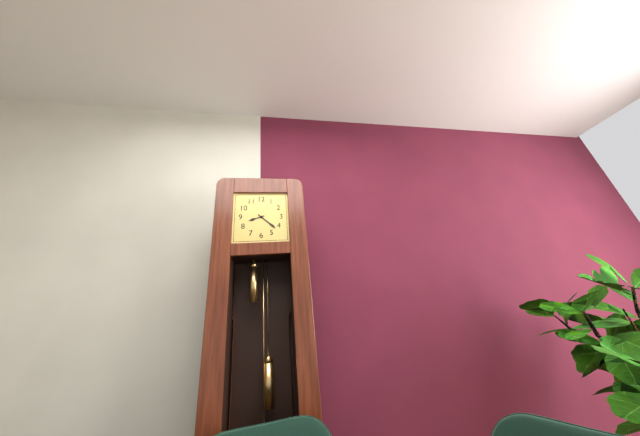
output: 8.22
